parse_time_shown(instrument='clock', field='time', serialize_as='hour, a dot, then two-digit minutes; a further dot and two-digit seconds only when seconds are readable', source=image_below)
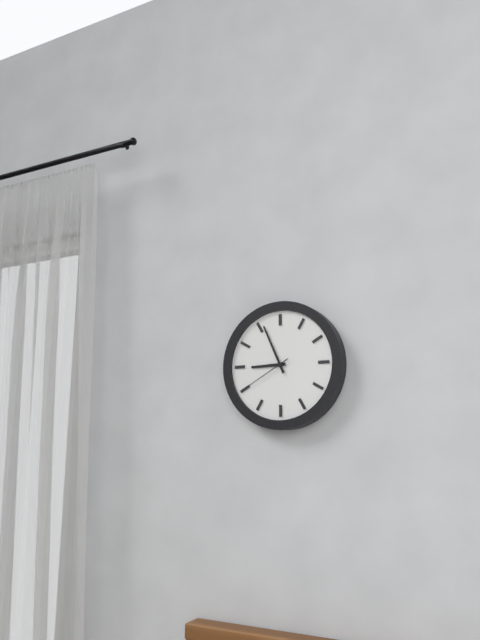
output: 8.56
